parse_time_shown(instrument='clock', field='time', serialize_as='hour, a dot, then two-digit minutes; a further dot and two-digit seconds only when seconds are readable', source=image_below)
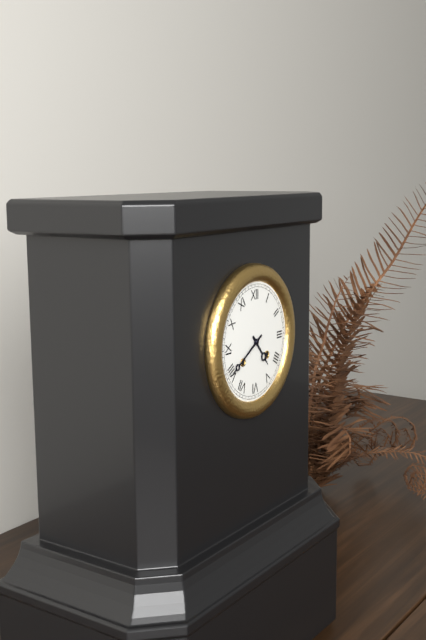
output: 4.40
